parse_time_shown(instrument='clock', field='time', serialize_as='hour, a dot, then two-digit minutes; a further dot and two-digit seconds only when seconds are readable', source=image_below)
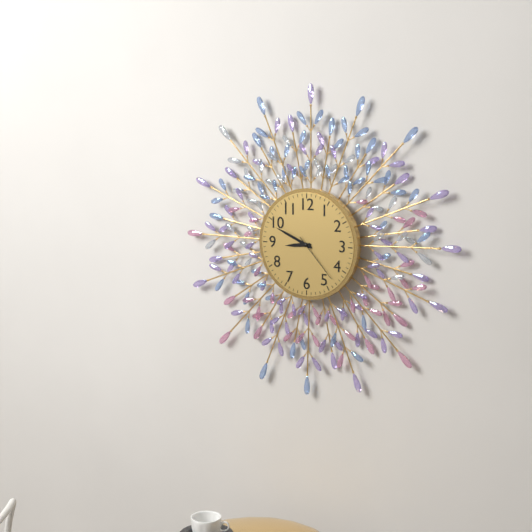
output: 8.49.23
